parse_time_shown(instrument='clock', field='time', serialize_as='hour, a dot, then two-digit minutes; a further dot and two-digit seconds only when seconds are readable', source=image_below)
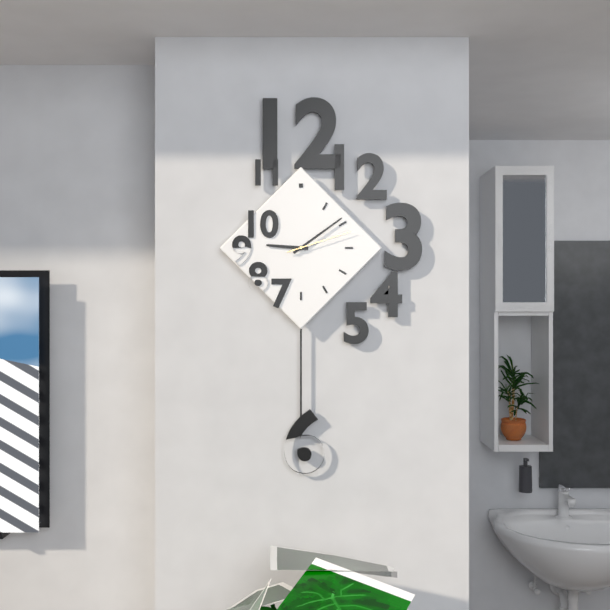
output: 9.09.12
